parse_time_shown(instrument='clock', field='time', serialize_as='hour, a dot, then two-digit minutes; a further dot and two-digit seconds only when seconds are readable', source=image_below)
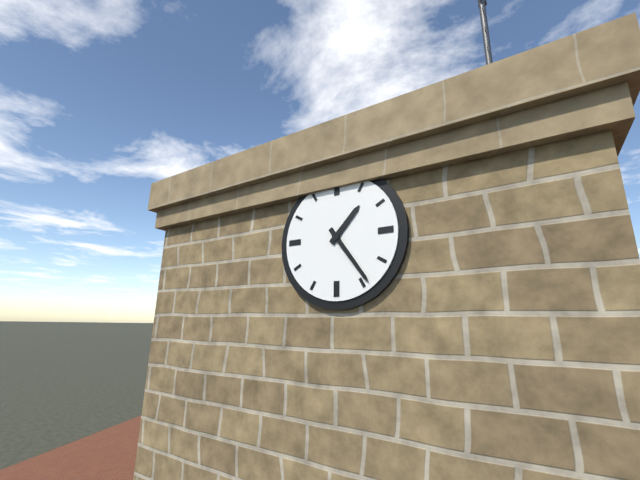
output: 1.24
